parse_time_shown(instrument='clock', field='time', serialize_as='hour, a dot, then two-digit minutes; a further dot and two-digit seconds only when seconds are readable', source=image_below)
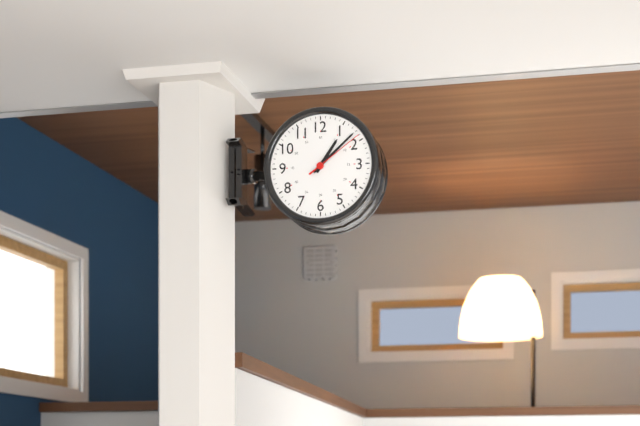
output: 1.08.09
